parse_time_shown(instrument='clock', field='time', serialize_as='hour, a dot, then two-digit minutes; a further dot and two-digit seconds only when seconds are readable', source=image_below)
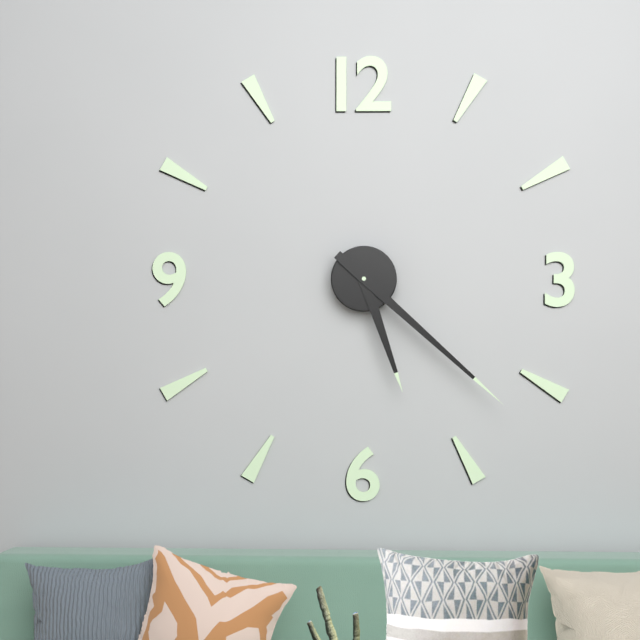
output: 5.22
